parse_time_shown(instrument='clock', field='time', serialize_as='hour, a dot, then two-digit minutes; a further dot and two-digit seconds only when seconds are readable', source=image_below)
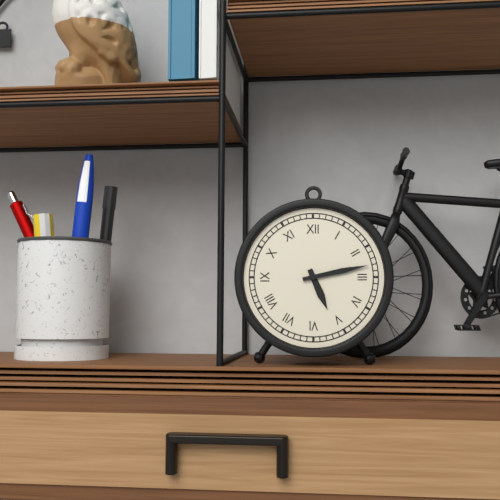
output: 5.13
